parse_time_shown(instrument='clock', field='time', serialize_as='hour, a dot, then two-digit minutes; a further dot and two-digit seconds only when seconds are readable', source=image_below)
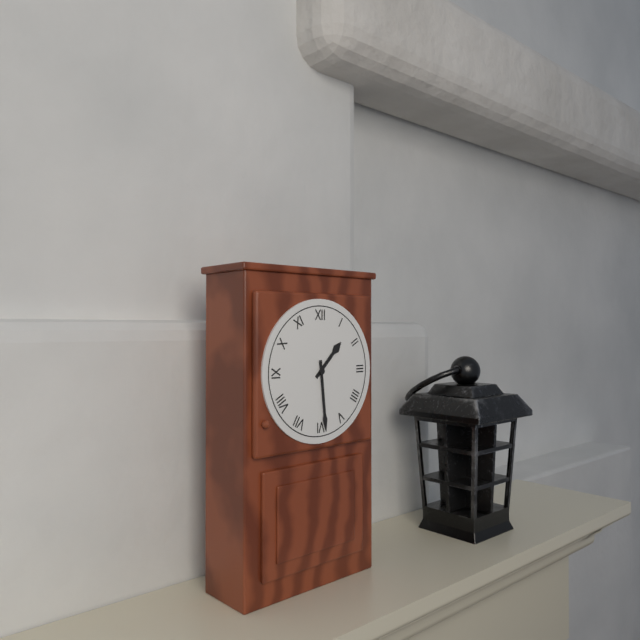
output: 1.29
